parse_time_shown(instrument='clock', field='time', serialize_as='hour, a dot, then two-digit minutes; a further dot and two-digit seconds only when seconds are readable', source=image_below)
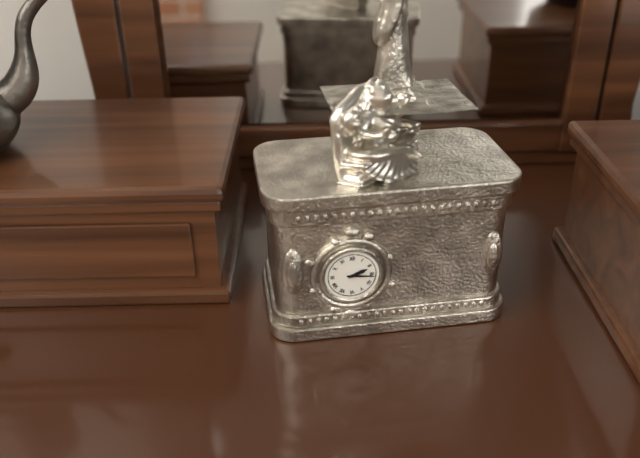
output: 2.16
